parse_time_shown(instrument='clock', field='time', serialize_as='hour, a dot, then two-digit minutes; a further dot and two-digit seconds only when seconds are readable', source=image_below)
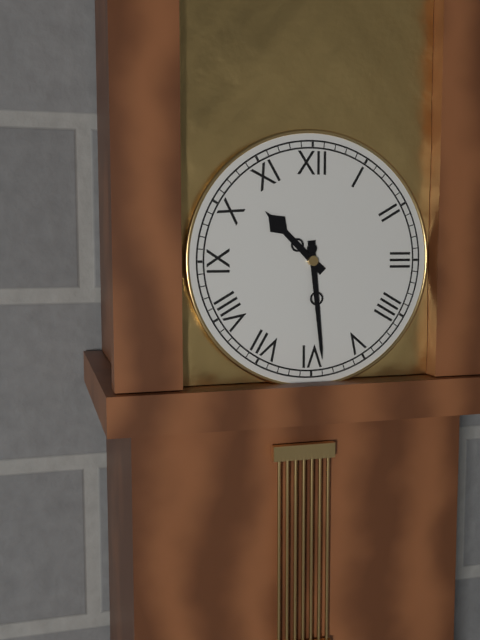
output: 10.29
